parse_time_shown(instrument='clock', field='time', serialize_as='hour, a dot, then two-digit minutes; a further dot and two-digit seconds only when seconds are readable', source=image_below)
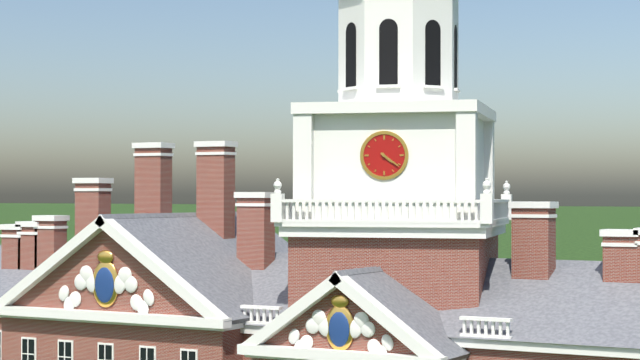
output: 4.21
